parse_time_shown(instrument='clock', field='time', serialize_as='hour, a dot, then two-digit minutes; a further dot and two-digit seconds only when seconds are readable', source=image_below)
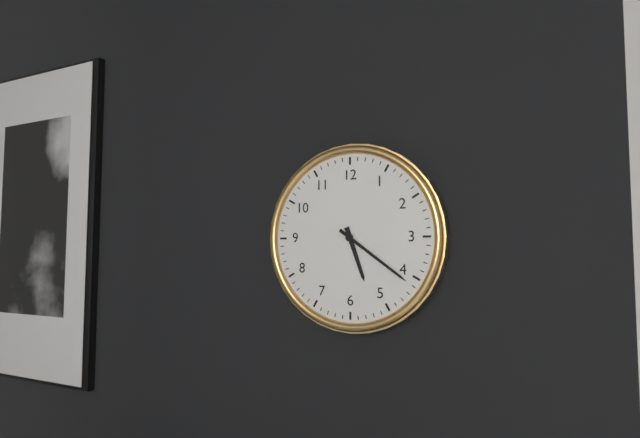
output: 5.21
